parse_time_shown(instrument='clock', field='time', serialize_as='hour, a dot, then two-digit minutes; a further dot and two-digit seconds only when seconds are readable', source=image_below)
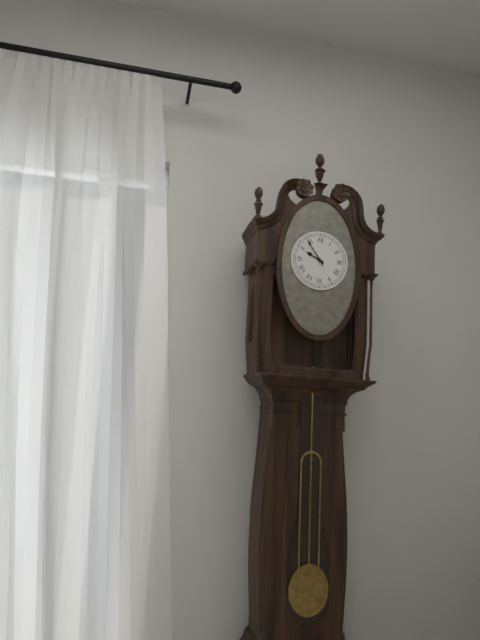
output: 9.54
